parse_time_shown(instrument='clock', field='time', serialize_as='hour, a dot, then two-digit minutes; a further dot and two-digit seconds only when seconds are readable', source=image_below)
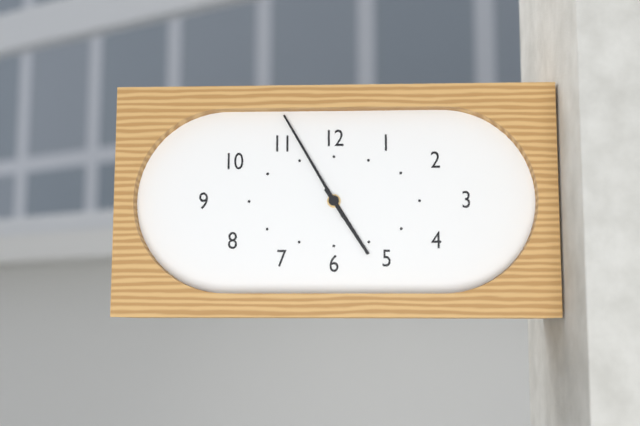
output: 4.55
